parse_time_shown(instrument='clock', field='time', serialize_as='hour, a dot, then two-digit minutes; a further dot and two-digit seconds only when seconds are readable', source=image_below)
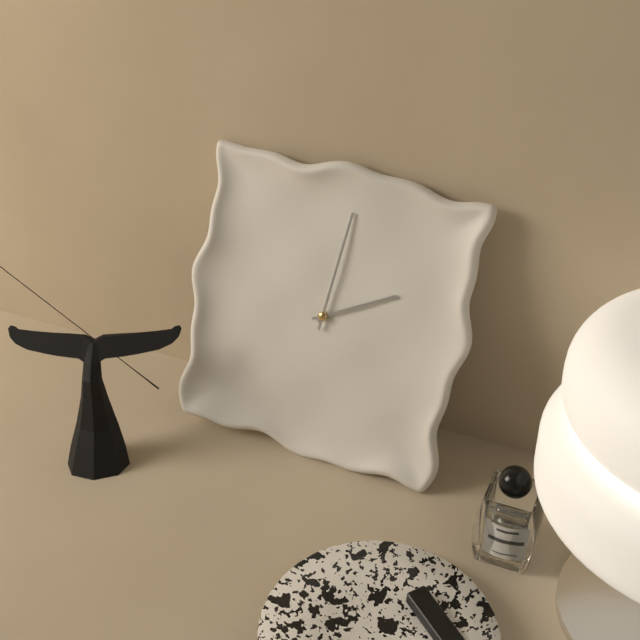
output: 2.01
